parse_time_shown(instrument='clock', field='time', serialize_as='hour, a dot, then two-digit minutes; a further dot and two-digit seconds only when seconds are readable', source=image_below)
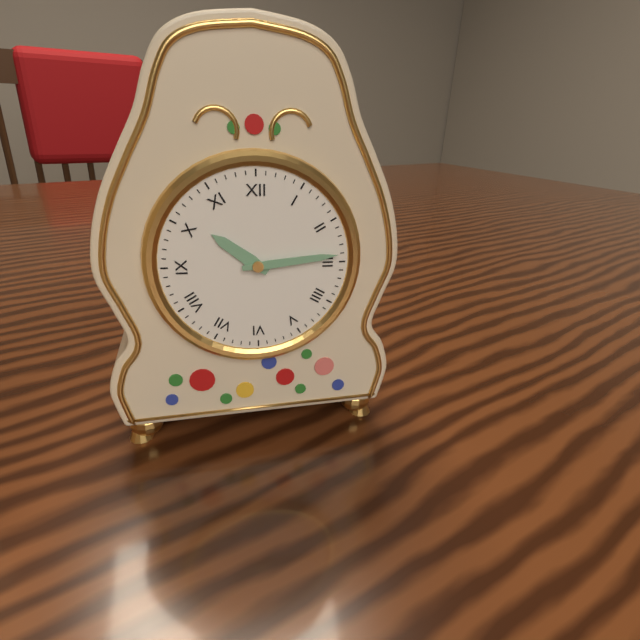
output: 10.14
